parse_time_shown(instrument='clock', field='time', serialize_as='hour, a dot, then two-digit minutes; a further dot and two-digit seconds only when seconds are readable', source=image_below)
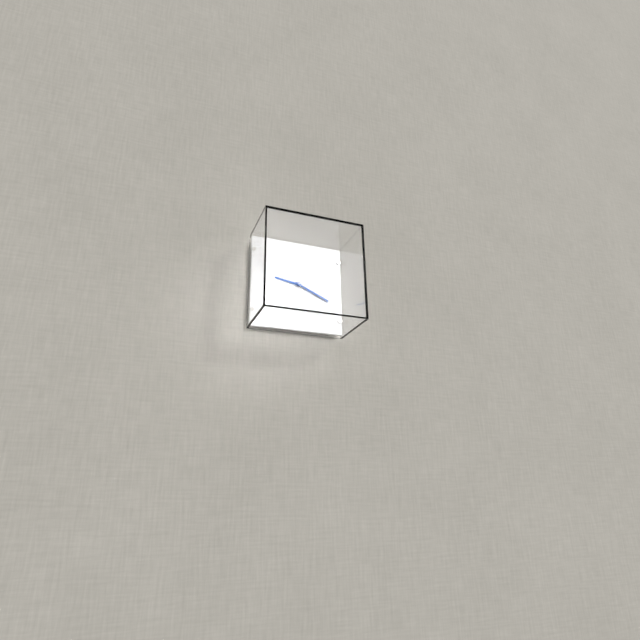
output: 9.19
